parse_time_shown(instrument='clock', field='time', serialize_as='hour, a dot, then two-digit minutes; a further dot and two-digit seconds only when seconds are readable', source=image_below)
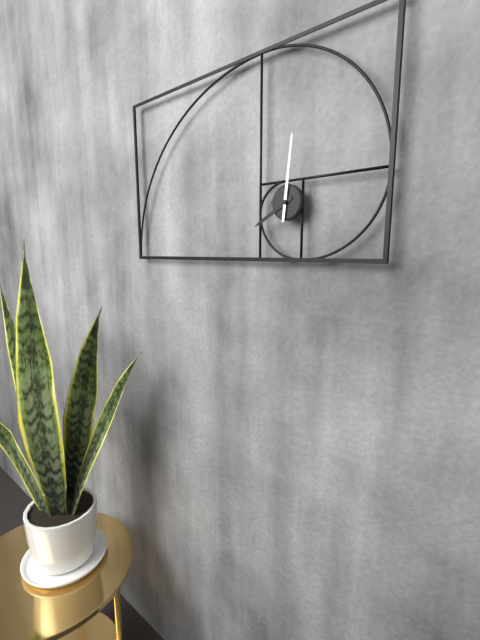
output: 8.01
